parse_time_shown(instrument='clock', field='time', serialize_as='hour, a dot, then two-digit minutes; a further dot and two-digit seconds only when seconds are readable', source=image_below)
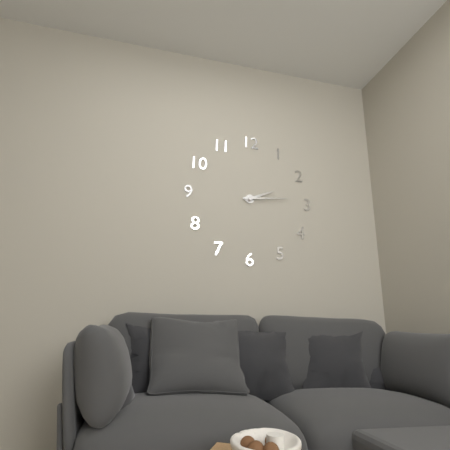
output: 2.14
